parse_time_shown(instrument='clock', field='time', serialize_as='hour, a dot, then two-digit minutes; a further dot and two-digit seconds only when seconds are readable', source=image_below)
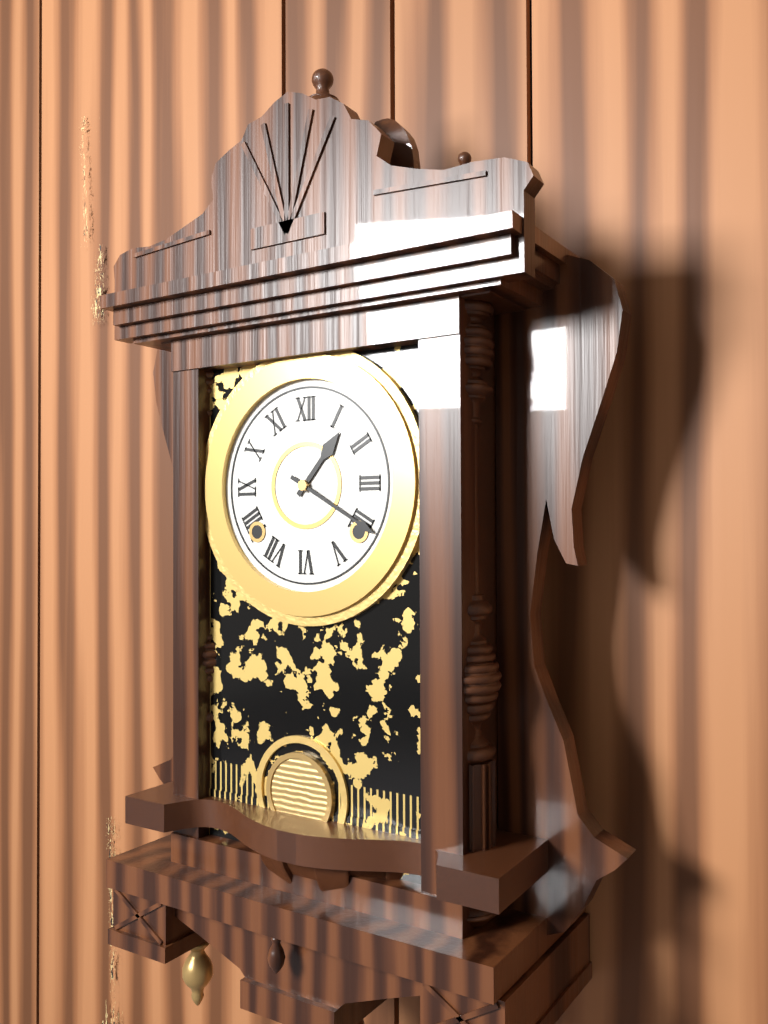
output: 1.20
